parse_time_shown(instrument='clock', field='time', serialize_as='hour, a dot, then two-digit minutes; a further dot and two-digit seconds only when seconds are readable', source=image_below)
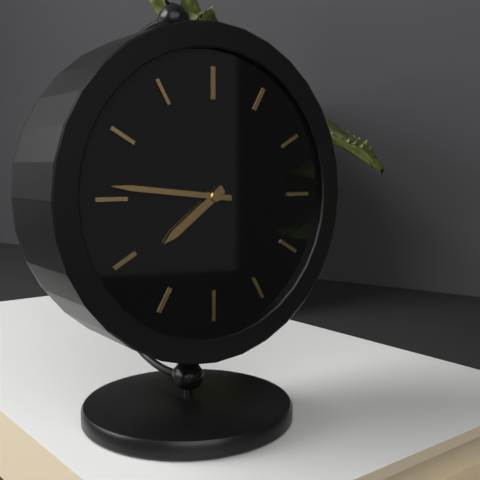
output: 7.46
